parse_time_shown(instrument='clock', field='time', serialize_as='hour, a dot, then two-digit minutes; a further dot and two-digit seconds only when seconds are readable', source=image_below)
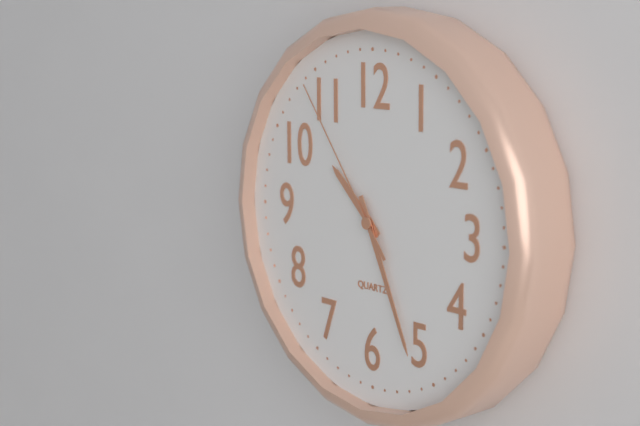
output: 10.26.54
